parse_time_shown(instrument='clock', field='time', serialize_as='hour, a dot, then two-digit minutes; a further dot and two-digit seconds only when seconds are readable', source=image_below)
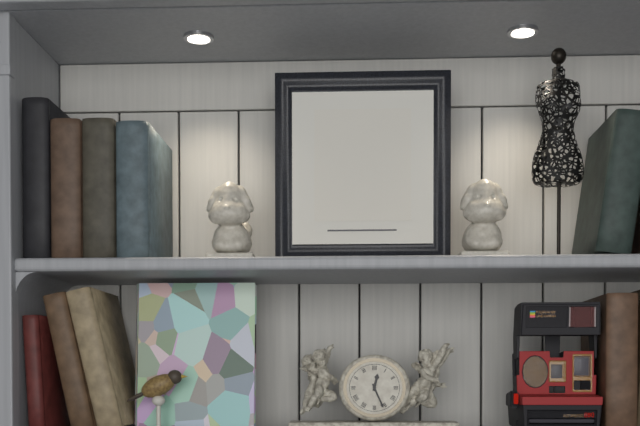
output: 12.26
